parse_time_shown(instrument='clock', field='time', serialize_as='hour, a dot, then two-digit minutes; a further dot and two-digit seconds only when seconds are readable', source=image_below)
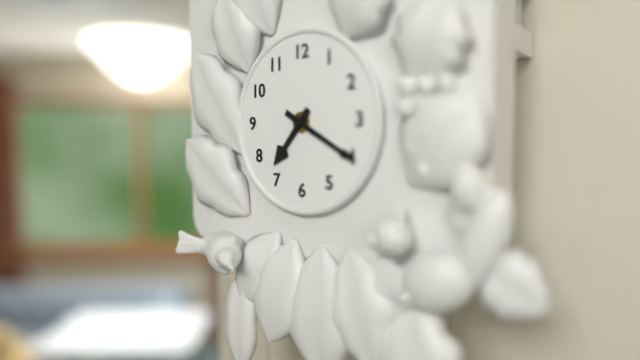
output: 7.20
